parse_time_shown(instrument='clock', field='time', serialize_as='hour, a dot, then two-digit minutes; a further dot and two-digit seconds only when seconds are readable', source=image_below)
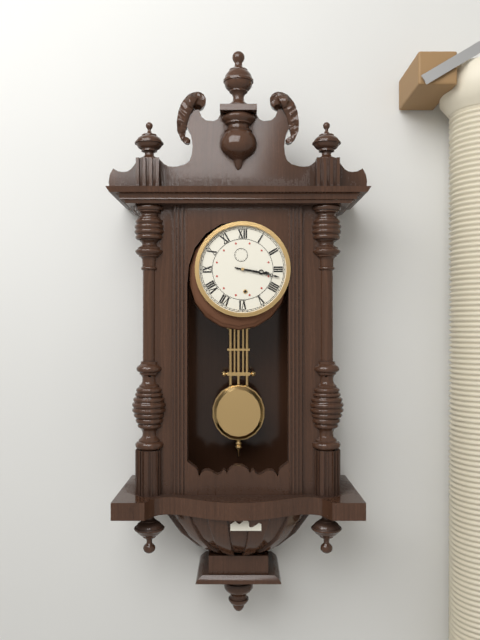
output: 3.17
